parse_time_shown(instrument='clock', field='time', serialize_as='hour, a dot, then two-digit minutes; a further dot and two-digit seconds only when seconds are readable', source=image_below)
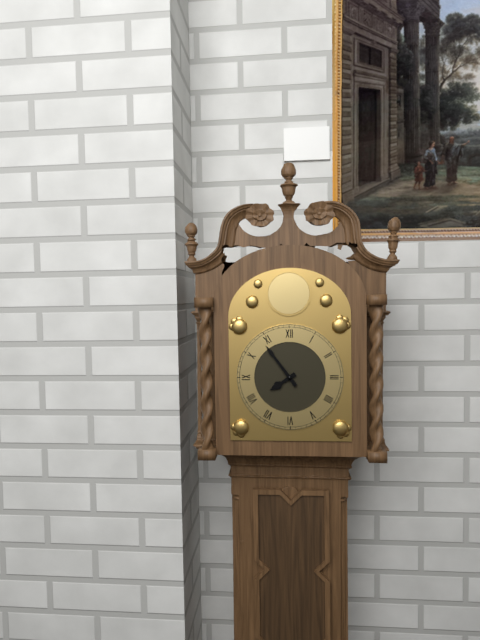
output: 7.54
